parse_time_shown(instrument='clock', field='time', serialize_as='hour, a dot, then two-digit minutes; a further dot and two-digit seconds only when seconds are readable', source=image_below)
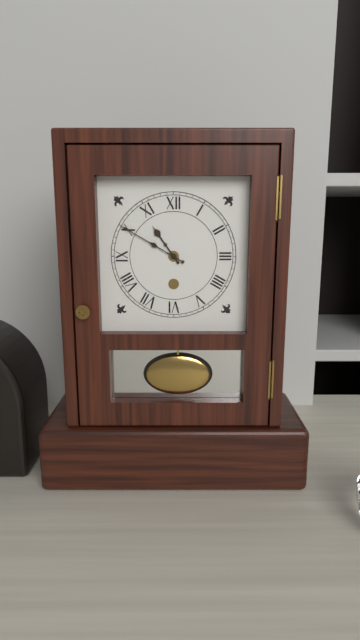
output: 10.50
